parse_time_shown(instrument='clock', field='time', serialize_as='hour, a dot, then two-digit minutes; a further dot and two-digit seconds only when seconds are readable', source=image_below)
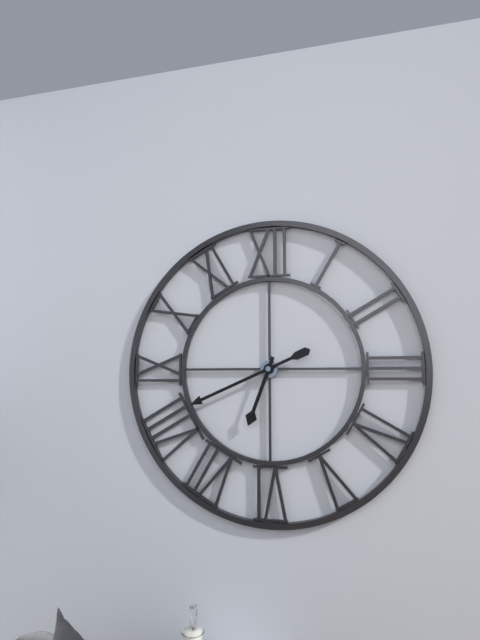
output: 6.41
